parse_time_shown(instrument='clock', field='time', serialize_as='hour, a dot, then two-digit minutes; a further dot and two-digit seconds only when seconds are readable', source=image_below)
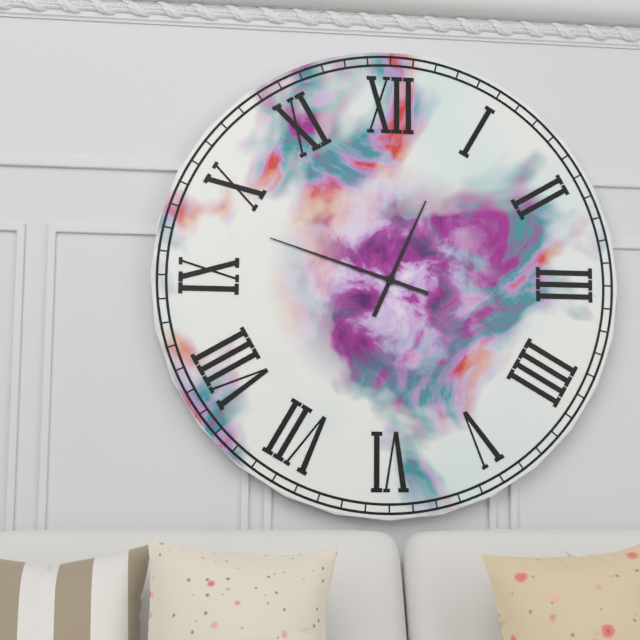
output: 12.48
